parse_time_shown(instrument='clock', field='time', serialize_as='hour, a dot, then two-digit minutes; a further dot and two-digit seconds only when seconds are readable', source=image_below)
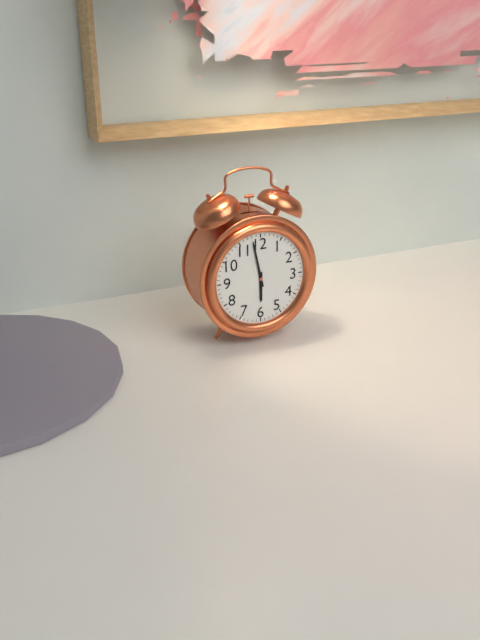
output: 5.58
